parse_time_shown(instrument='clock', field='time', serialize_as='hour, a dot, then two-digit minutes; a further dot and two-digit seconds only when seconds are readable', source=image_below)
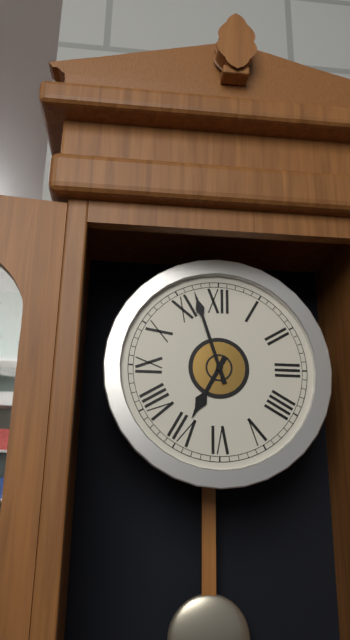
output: 6.57
